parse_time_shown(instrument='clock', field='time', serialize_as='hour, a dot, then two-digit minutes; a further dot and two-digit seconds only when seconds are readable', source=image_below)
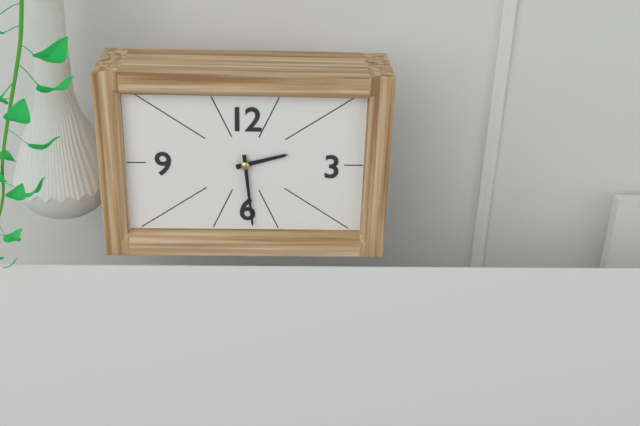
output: 2.29
